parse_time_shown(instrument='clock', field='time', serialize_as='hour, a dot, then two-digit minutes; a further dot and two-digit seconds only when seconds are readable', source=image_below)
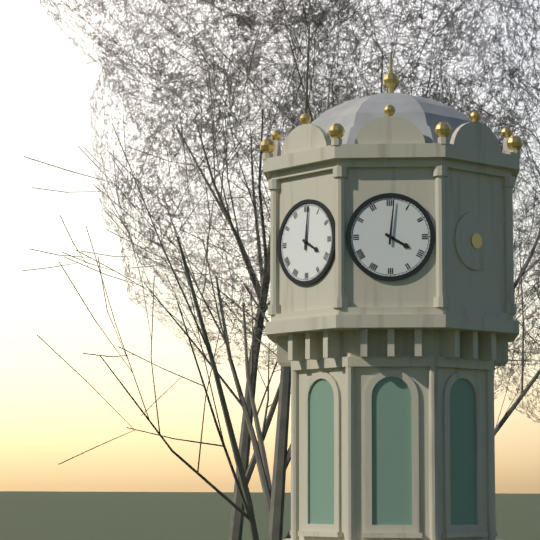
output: 4.01
